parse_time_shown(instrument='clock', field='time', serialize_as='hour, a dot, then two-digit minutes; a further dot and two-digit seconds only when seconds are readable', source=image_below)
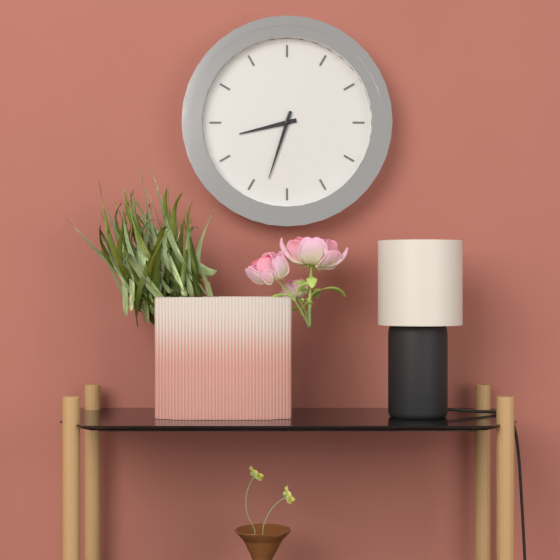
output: 8.33
